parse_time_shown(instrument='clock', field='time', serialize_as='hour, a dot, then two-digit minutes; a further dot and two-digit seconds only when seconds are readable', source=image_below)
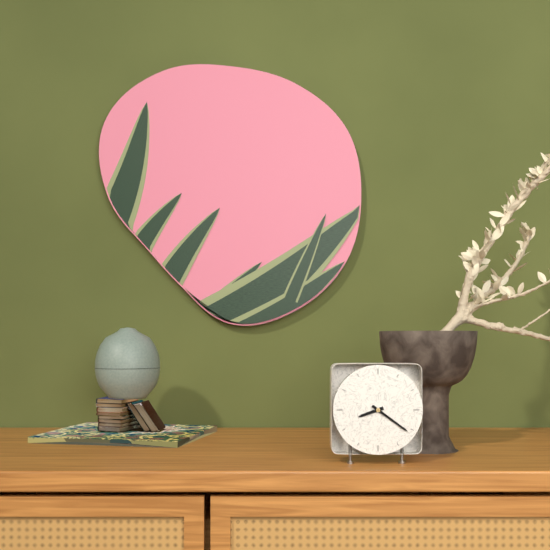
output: 8.21
